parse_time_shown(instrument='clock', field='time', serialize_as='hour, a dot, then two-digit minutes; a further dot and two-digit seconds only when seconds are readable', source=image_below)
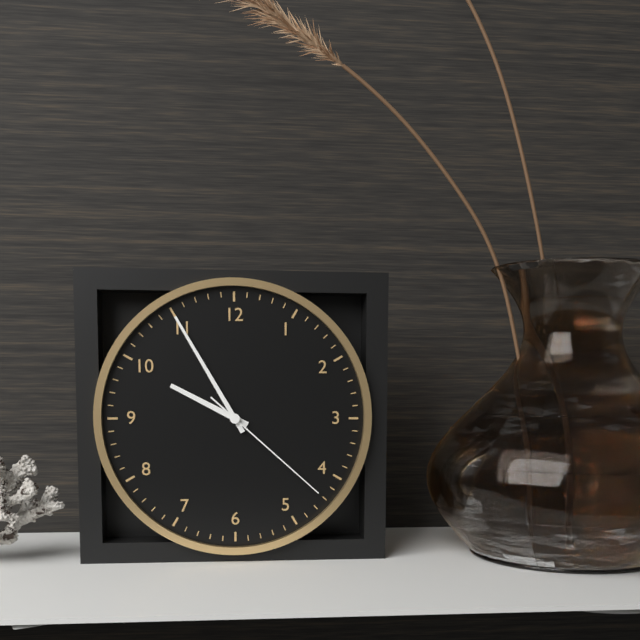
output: 9.55.22
